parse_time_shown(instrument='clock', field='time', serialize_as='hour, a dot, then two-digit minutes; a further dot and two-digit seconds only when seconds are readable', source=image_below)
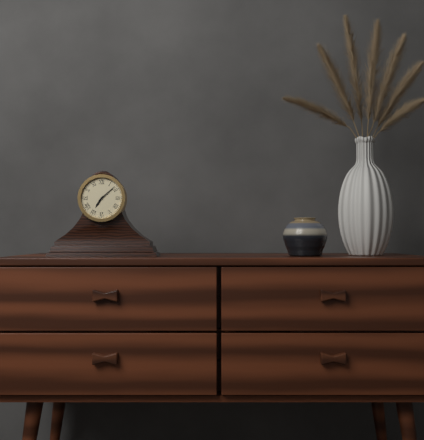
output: 7.08
